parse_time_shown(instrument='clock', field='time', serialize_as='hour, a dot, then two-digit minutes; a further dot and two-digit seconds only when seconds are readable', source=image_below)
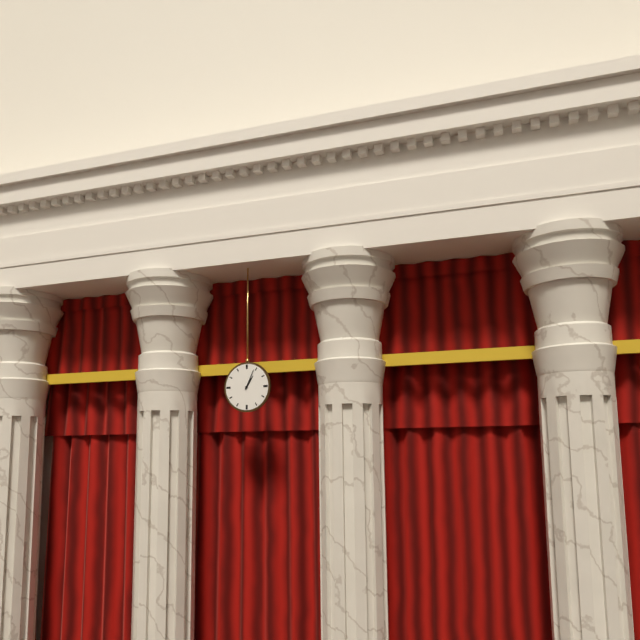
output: 1.04
